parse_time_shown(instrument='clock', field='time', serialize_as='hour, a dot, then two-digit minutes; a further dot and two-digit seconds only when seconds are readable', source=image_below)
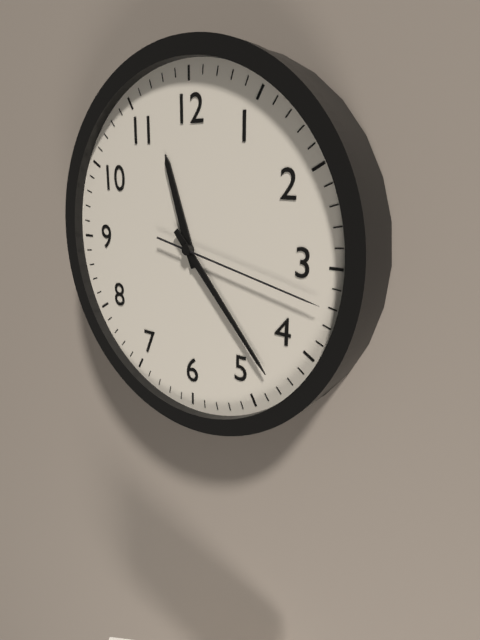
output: 11.23.17
